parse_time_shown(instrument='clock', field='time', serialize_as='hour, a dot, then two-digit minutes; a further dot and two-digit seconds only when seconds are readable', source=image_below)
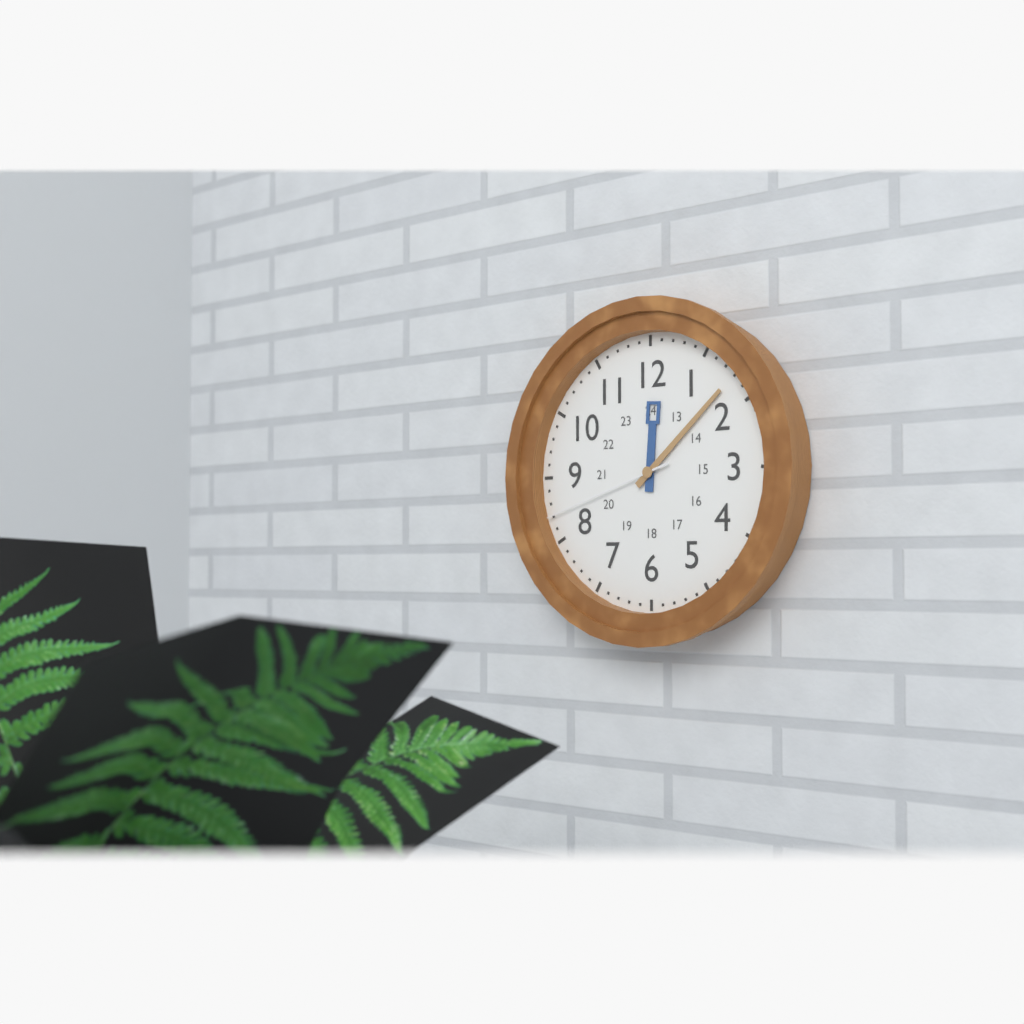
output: 12.08.42
